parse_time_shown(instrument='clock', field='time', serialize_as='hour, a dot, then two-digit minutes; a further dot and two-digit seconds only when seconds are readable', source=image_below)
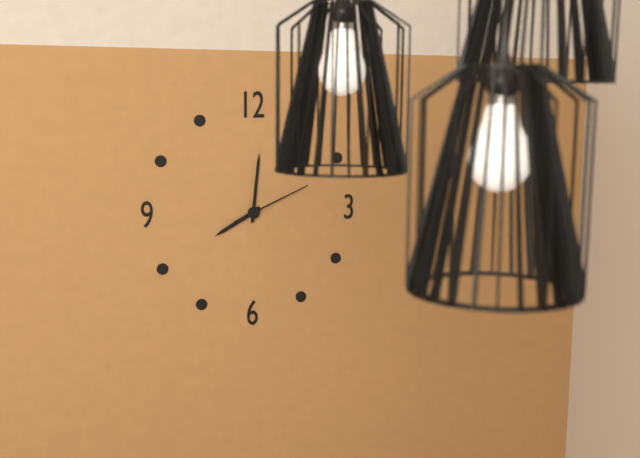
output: 8.01.11
